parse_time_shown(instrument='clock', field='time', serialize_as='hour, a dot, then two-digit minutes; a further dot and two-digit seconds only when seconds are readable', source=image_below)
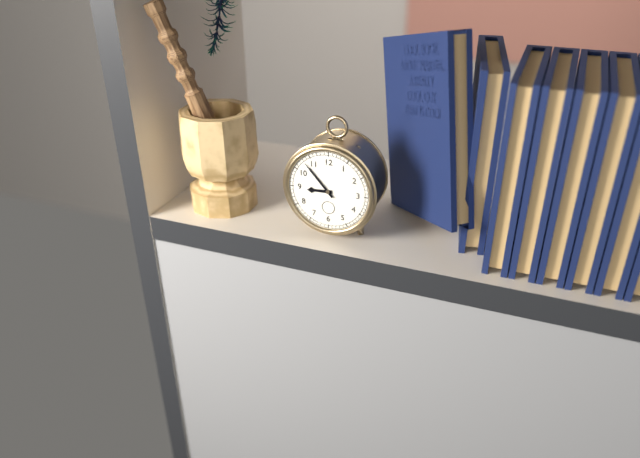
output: 8.53
